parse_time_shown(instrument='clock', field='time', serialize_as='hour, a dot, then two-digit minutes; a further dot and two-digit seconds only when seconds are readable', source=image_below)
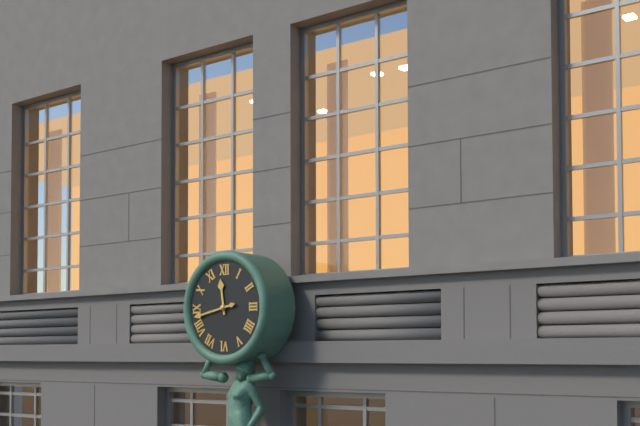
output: 11.43
